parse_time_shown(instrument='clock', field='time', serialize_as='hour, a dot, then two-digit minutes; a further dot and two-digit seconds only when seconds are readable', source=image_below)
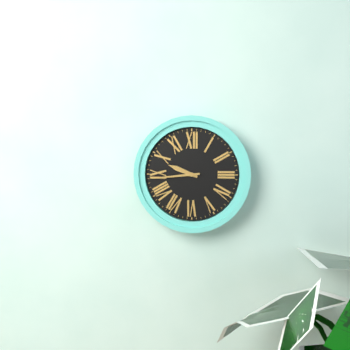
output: 9.44
